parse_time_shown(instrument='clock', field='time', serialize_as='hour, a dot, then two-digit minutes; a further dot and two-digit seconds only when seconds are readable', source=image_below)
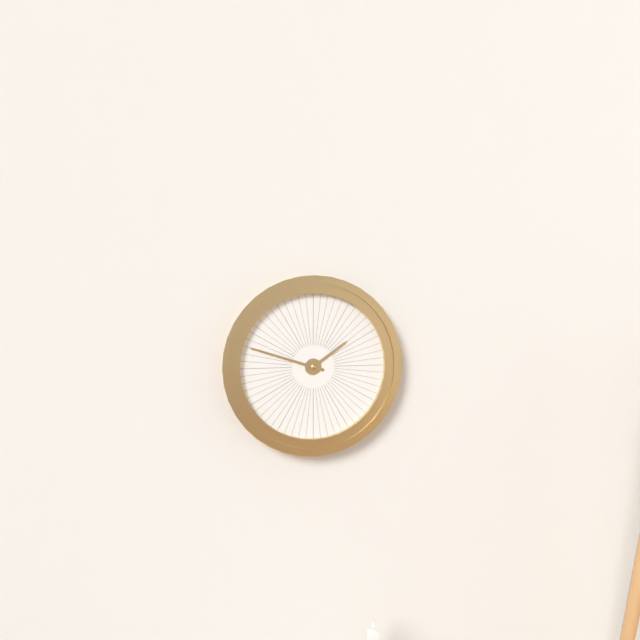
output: 1.48
